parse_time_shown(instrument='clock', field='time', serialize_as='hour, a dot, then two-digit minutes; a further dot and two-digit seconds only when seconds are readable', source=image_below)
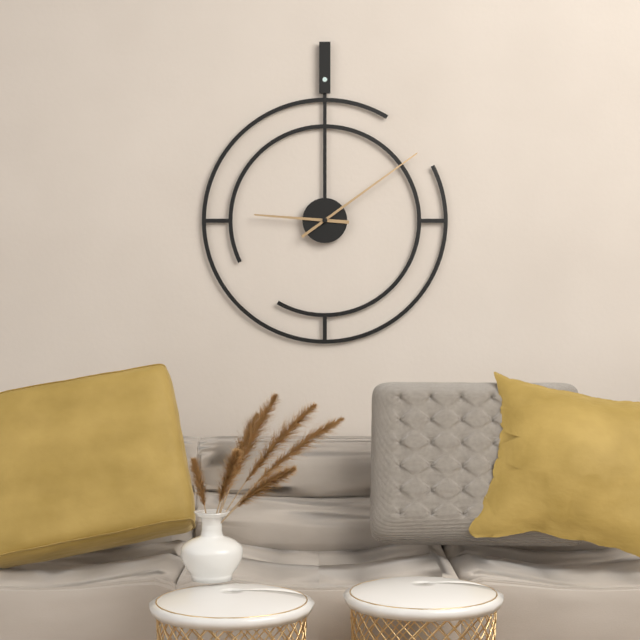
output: 9.09
